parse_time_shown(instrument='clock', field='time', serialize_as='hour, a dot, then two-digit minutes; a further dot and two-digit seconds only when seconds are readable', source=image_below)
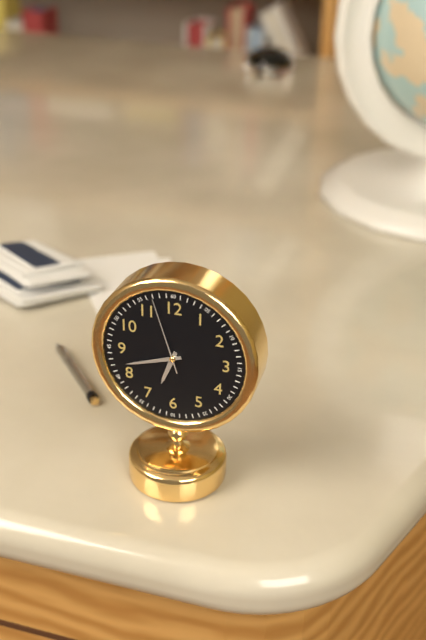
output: 6.42.57
